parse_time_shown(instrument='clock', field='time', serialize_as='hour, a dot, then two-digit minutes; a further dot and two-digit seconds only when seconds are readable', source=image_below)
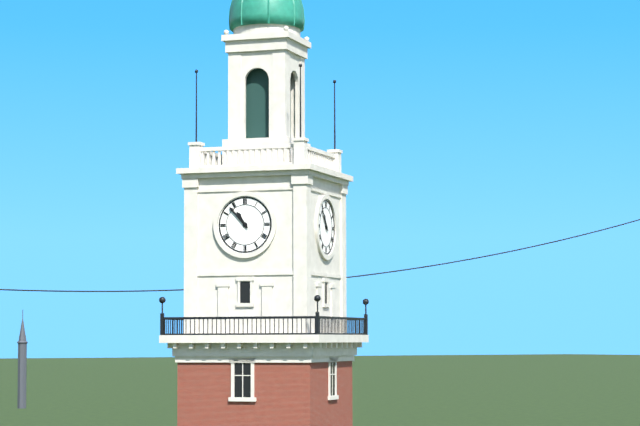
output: 10.53
